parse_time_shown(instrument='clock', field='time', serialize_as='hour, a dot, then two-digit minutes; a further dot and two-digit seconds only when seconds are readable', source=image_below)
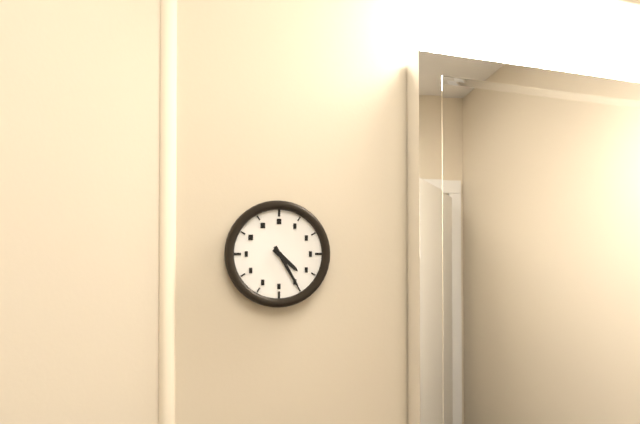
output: 4.25
